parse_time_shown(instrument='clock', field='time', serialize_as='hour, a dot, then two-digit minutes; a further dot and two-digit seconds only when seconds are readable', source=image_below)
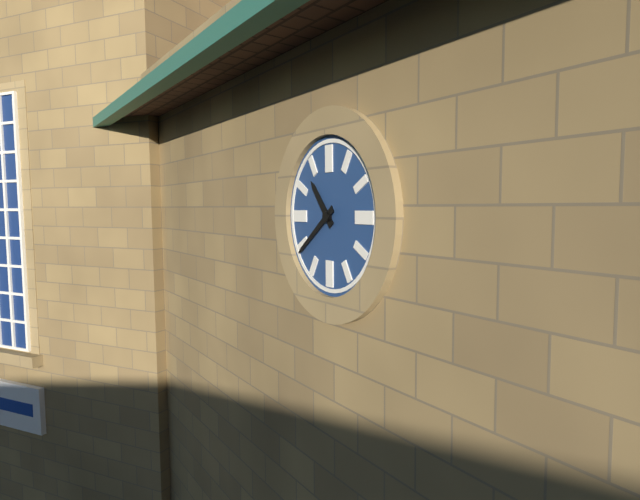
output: 10.39
